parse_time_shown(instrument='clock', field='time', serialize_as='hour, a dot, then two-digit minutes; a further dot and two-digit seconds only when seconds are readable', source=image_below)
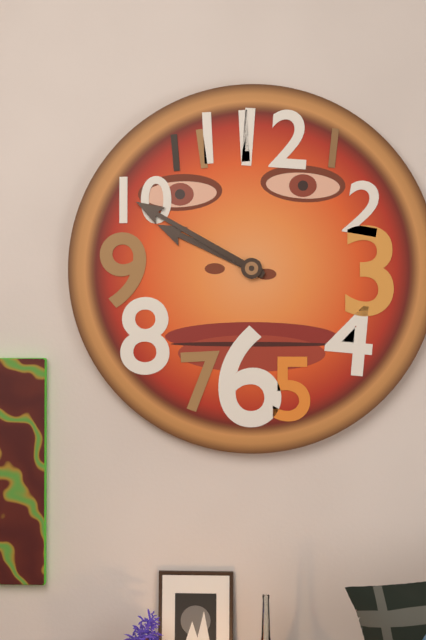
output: 9.50
